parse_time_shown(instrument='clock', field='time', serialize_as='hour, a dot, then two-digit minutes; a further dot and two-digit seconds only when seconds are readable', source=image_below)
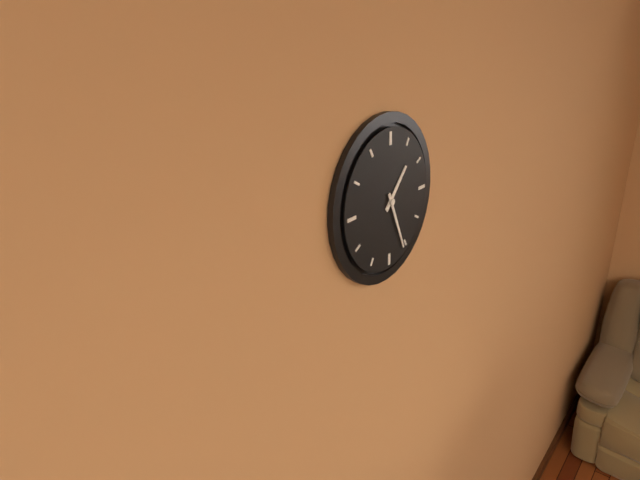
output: 1.26
